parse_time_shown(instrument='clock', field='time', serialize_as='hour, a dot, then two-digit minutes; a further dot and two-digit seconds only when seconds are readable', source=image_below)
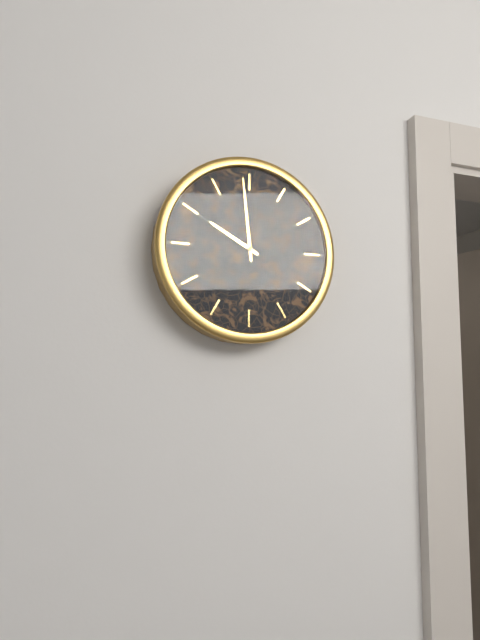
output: 9.59
